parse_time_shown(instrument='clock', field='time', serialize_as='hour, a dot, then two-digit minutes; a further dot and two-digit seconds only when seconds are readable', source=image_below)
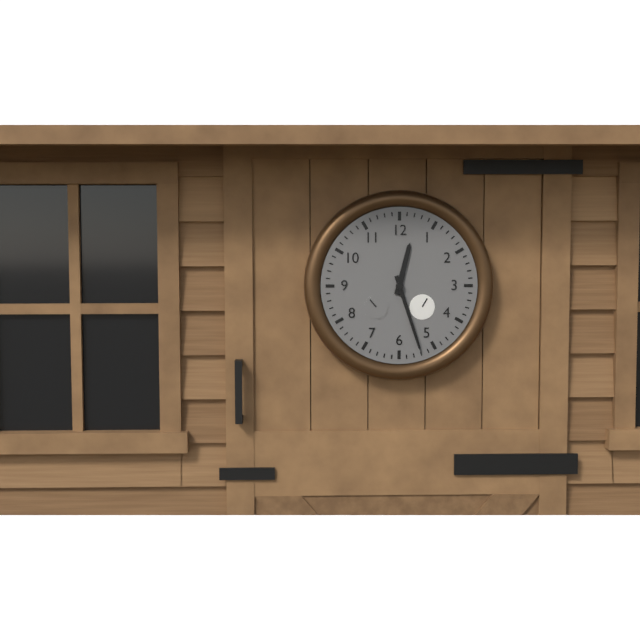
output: 12.27
